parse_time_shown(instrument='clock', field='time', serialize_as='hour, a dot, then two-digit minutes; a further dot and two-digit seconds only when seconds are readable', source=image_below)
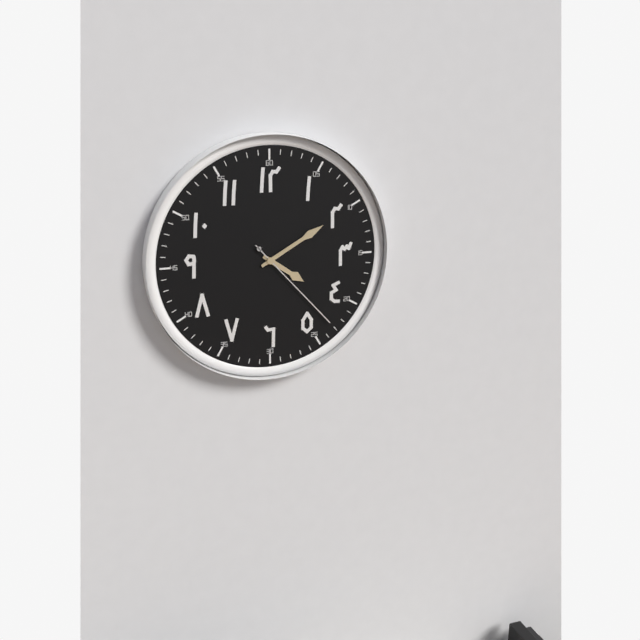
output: 4.10.23
